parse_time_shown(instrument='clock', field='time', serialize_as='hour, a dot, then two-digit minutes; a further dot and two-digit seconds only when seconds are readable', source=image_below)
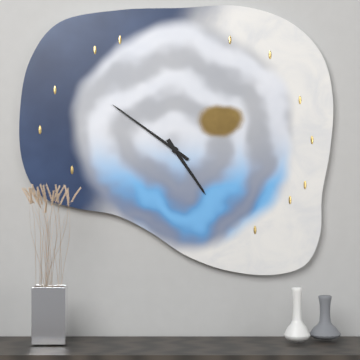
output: 4.51
